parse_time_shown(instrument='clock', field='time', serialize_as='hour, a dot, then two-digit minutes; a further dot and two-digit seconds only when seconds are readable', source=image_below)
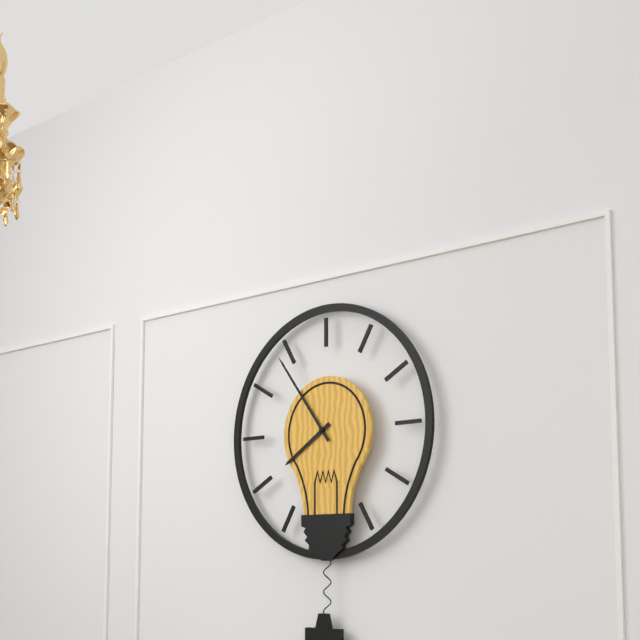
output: 7.54
